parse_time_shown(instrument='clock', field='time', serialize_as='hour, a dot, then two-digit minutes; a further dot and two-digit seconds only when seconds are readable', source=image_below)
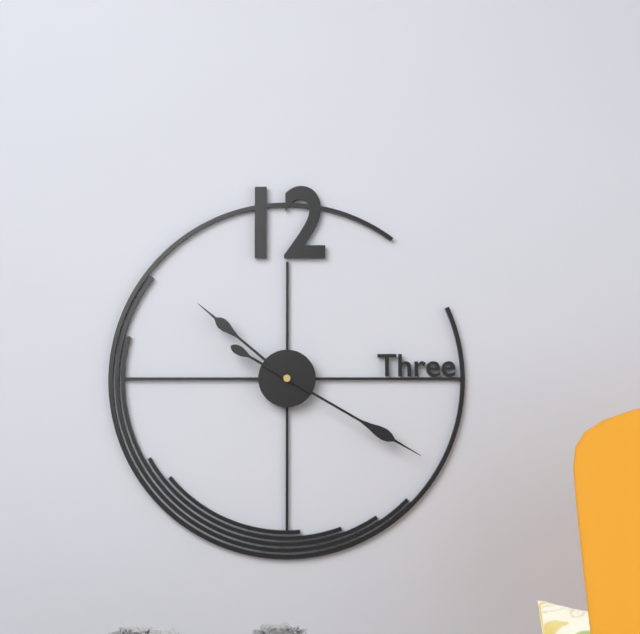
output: 10.20
